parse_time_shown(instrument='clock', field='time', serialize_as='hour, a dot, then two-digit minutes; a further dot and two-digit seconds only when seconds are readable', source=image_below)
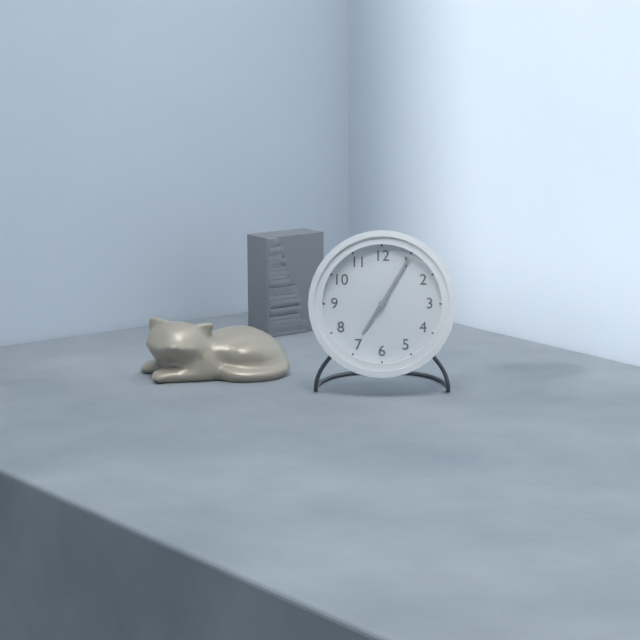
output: 7.05
